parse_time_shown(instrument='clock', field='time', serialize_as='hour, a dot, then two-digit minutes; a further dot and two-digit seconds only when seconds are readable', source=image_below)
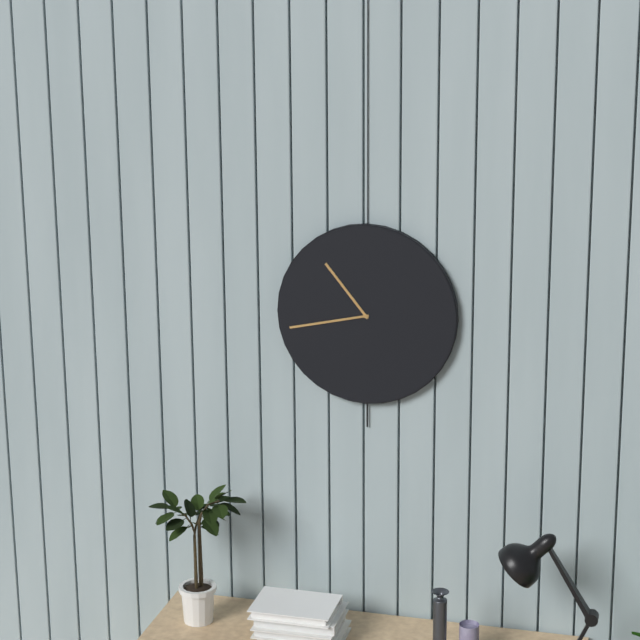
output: 10.43
